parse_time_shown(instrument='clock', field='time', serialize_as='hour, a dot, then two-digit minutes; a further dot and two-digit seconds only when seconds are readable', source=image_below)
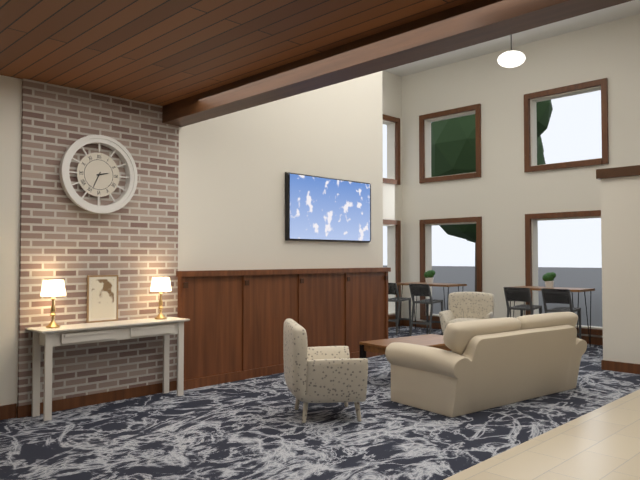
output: 2.34
